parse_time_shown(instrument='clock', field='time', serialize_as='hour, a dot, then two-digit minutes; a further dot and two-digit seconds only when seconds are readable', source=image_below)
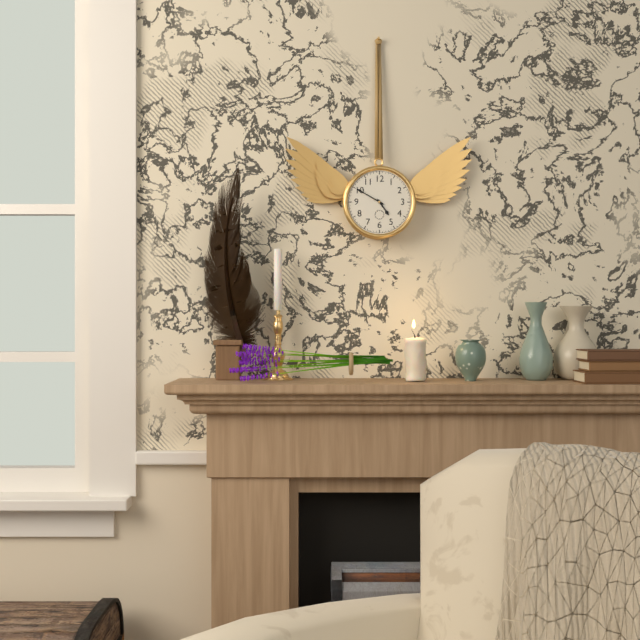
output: 4.50
